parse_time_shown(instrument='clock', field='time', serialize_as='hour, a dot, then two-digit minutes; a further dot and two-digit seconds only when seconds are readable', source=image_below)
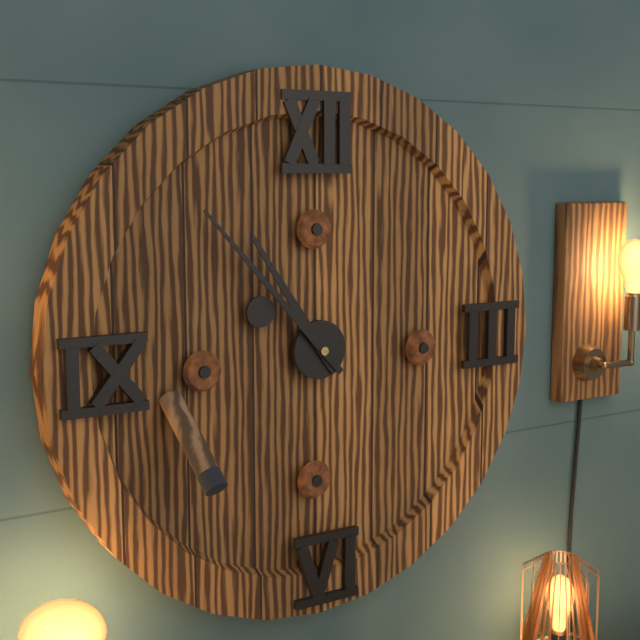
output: 10.53
